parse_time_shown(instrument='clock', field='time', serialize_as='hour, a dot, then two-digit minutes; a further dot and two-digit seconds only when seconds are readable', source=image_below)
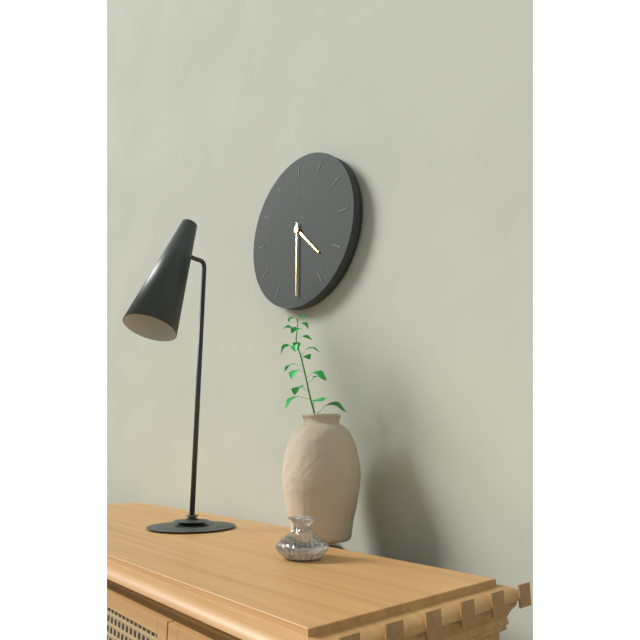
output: 4.30
